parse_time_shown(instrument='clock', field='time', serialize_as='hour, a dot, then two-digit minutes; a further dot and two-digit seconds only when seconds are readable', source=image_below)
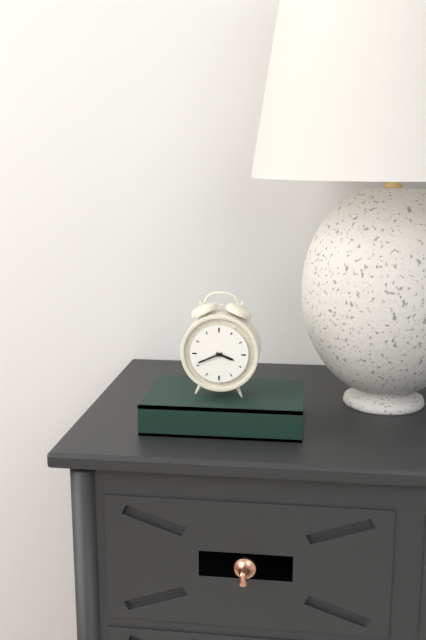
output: 3.41
